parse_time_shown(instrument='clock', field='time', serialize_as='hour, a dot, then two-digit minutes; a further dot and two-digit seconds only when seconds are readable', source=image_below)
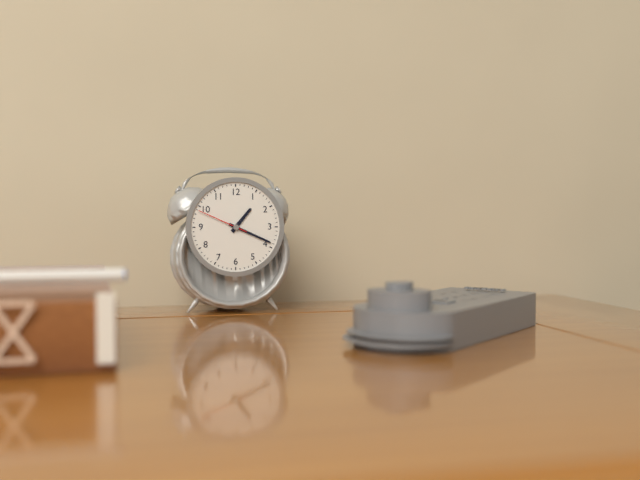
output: 1.19.49
